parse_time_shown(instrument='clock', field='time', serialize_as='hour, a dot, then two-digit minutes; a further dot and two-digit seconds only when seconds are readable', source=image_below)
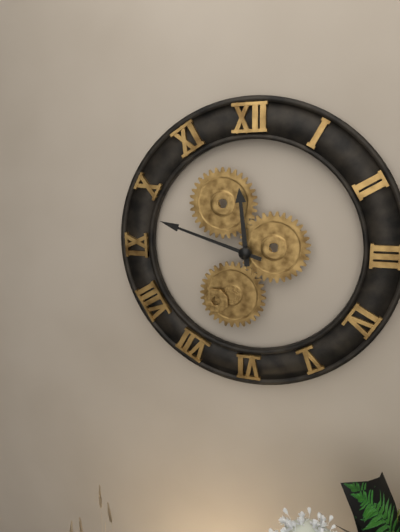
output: 11.48
